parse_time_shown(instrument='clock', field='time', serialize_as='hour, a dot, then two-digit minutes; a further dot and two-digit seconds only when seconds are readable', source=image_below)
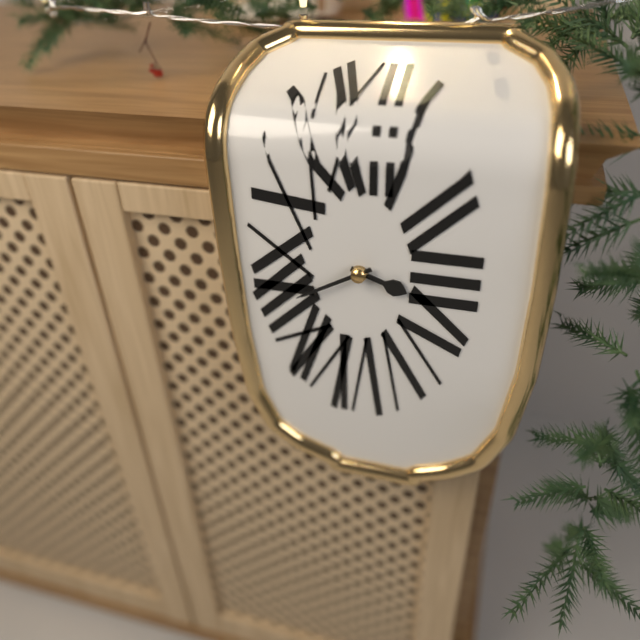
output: 3.40
